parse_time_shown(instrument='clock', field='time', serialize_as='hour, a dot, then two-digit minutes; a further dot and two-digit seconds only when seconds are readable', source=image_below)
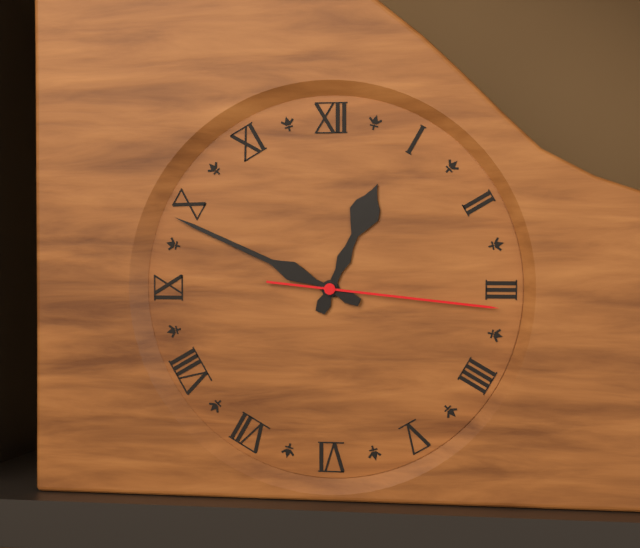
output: 12.49.16
